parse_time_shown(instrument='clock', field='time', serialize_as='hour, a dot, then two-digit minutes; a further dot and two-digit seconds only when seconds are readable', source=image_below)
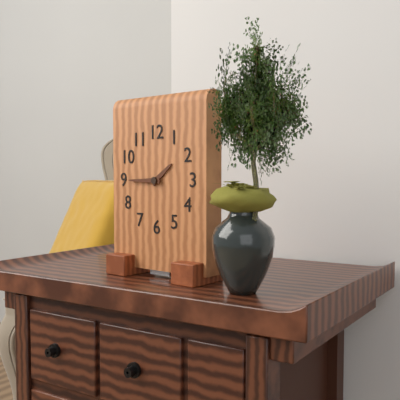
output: 1.45
